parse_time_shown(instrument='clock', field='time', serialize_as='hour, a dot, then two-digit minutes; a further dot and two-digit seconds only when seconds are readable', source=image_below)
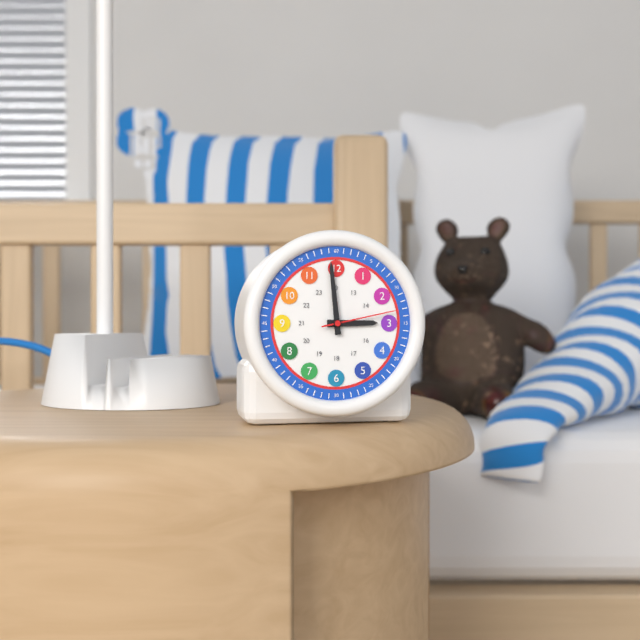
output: 2.59.13
